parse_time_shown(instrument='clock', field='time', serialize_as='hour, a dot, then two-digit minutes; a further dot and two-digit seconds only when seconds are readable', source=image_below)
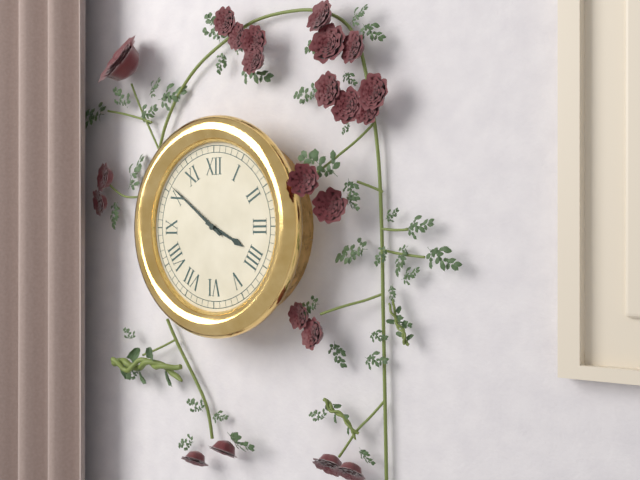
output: 3.51
